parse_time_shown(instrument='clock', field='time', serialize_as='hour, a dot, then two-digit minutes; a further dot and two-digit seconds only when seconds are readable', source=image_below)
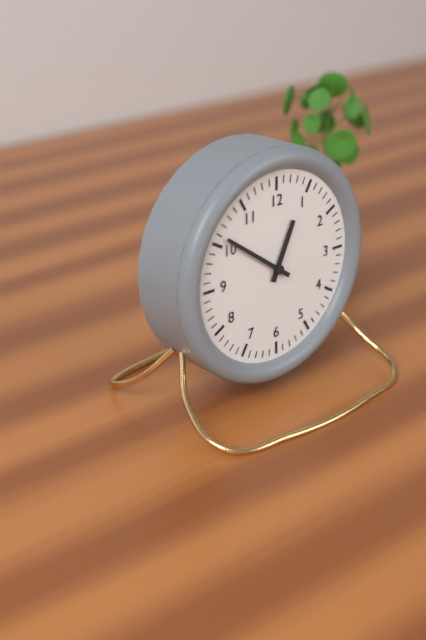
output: 12.51
